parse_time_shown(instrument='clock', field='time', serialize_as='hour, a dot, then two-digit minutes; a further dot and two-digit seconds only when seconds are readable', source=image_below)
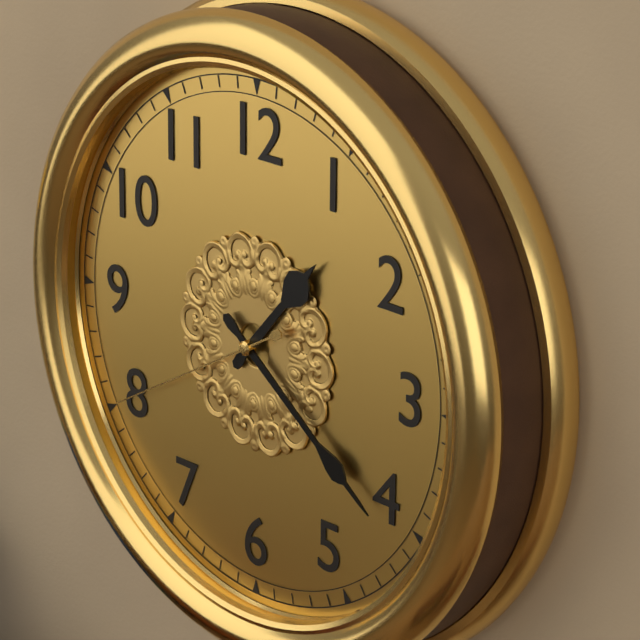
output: 1.21.40
